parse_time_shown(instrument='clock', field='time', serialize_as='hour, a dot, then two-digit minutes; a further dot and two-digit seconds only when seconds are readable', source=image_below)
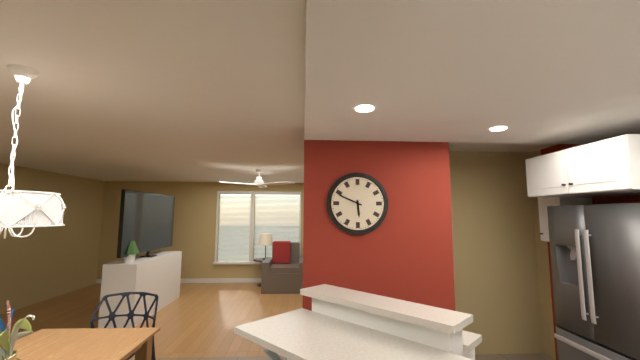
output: 5.49
